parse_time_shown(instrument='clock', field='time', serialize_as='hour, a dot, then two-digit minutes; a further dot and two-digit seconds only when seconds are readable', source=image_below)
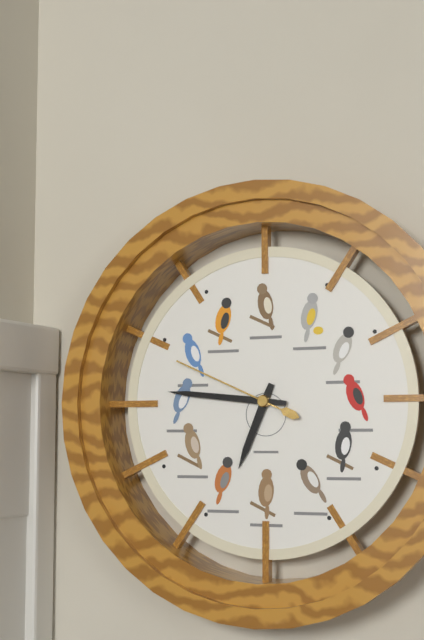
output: 6.46.49
